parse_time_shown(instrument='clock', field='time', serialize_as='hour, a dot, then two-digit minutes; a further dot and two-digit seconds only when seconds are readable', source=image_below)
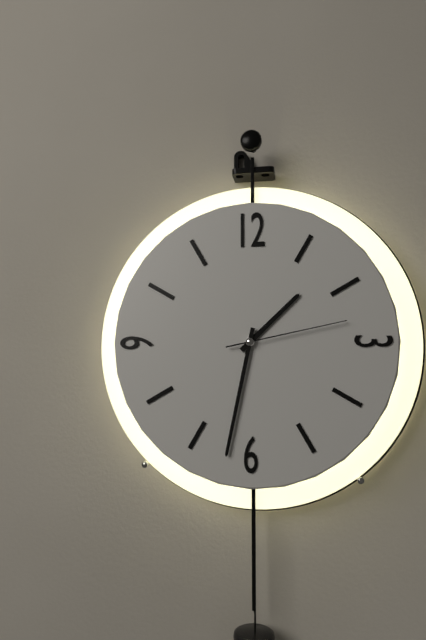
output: 1.32.13
